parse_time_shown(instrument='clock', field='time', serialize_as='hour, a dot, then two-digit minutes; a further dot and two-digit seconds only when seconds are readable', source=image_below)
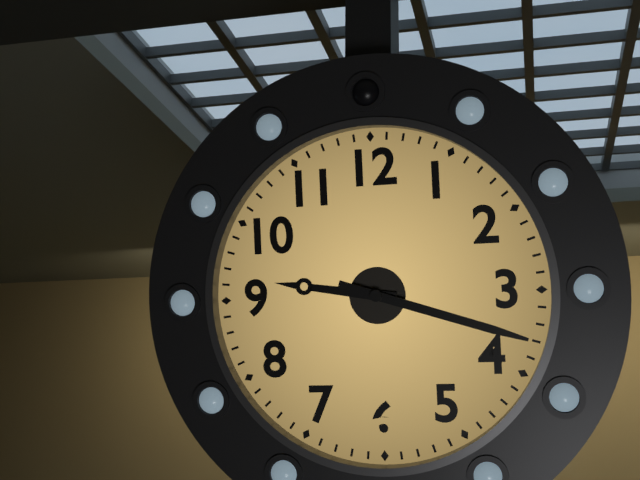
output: 9.18
